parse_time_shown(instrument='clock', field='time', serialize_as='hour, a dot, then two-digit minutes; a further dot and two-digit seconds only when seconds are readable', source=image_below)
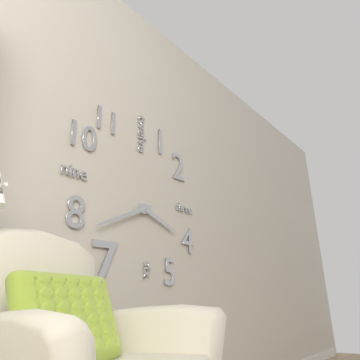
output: 3.41
